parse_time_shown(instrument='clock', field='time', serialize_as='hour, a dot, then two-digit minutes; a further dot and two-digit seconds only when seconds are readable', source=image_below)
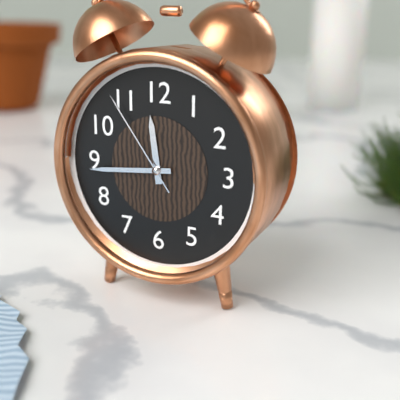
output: 11.44.54
